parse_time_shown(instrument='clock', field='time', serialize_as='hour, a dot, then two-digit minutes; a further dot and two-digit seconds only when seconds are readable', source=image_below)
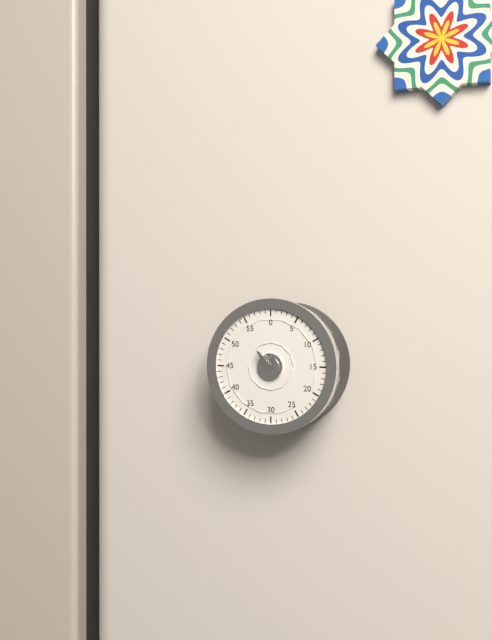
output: 12.54
